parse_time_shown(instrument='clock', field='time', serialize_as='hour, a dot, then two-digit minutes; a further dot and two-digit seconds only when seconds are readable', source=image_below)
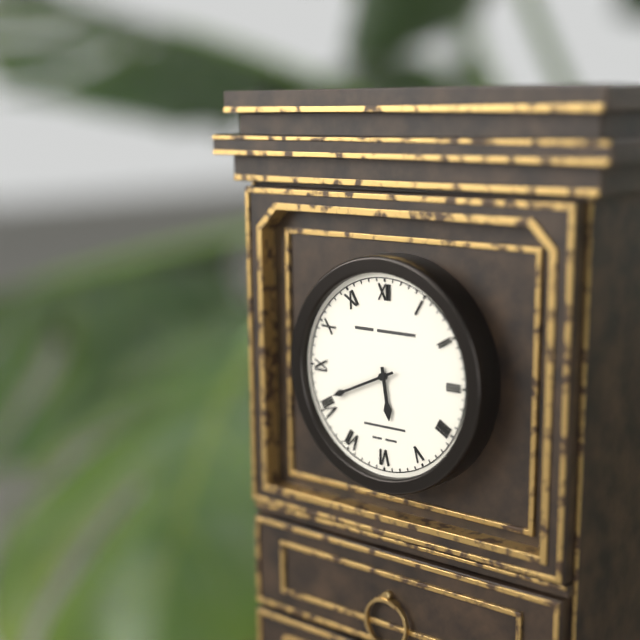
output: 5.41
